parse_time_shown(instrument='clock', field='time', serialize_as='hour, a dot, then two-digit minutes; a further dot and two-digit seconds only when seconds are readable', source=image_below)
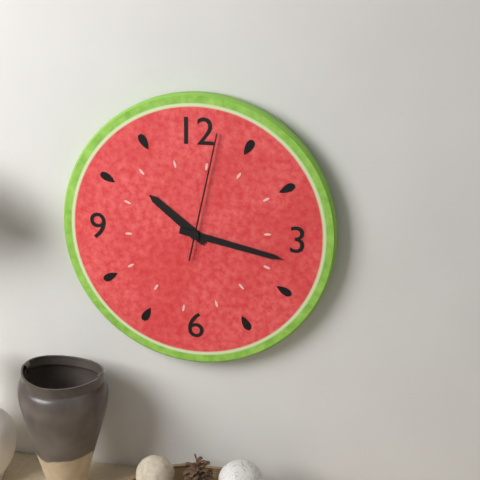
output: 10.17.02
